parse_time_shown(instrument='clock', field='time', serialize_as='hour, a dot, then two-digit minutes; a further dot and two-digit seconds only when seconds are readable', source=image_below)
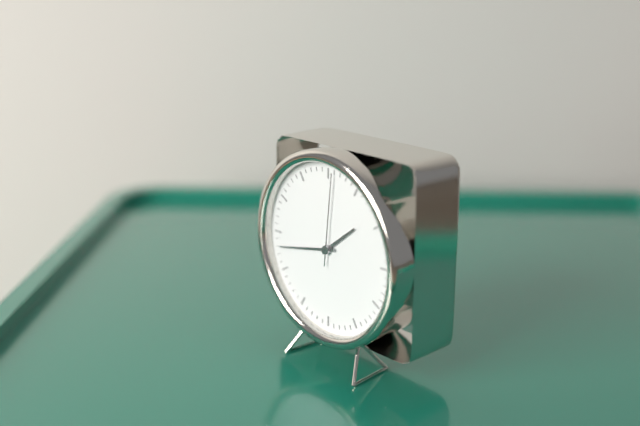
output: 1.43.01
